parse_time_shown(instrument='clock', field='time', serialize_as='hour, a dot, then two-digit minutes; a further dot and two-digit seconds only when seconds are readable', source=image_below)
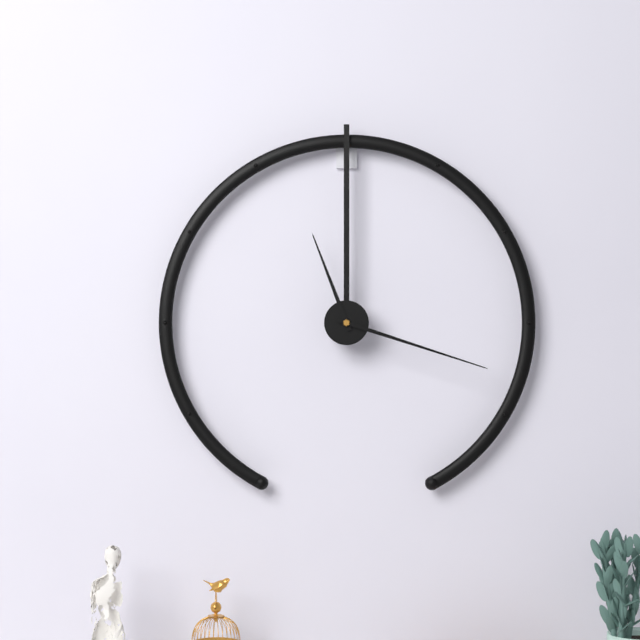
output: 11.18
